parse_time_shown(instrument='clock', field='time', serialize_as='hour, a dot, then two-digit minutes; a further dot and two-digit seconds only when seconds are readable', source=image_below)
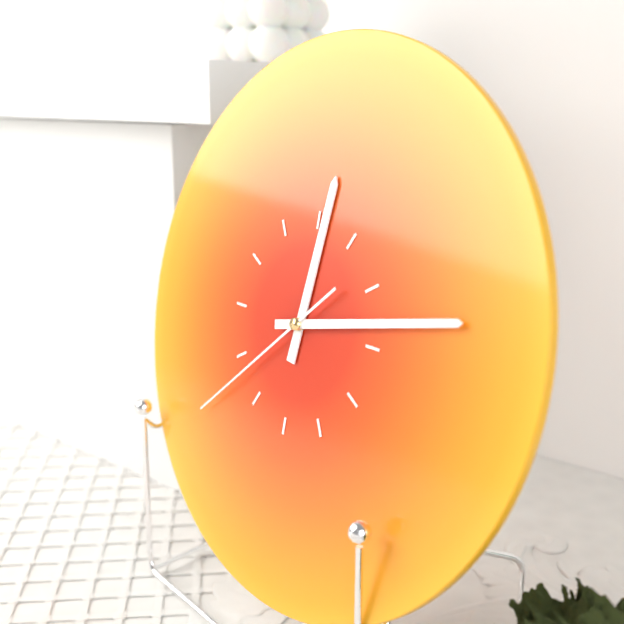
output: 12.13.38
